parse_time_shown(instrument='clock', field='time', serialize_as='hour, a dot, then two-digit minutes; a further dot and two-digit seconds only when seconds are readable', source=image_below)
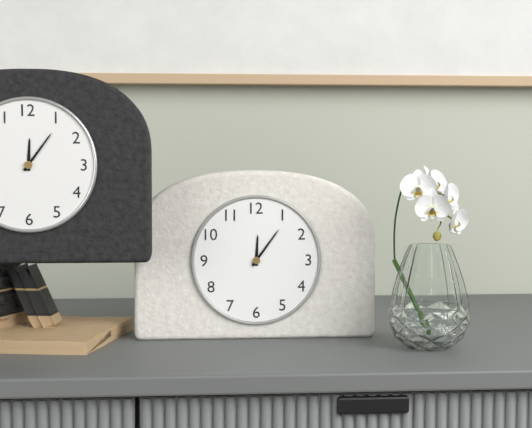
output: 12.06
